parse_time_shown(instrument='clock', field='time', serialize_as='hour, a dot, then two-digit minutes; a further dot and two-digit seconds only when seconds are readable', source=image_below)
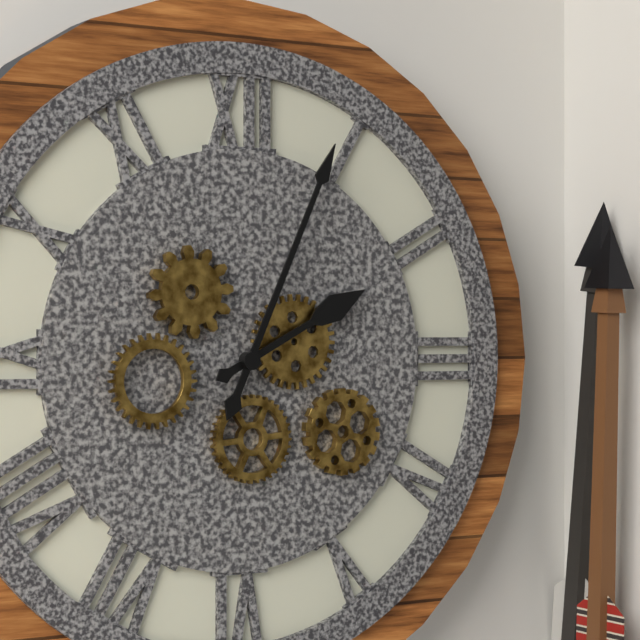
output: 2.04
